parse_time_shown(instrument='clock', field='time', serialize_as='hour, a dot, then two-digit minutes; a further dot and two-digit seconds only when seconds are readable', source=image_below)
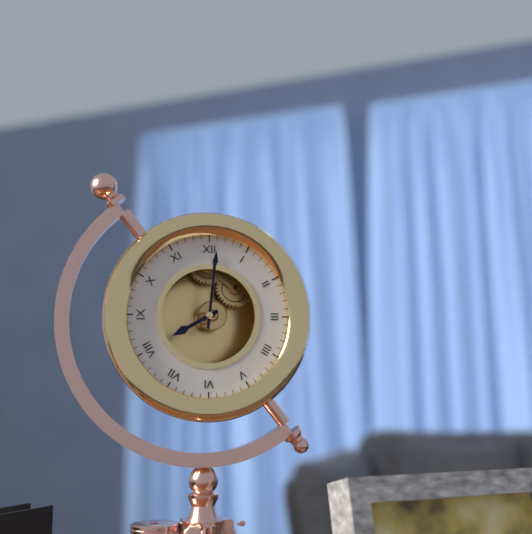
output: 8.01
